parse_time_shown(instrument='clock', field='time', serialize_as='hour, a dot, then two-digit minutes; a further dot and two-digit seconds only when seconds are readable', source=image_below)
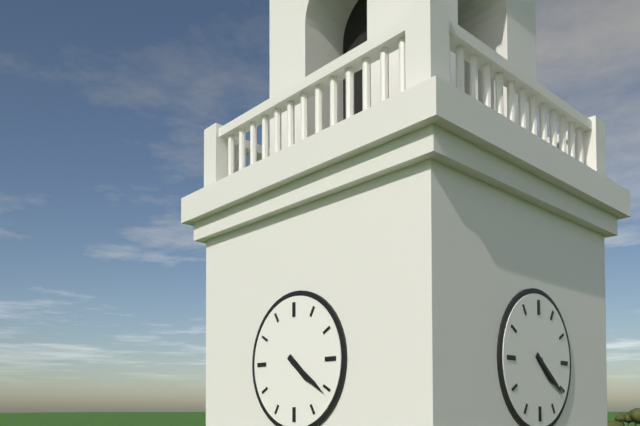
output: 4.21
